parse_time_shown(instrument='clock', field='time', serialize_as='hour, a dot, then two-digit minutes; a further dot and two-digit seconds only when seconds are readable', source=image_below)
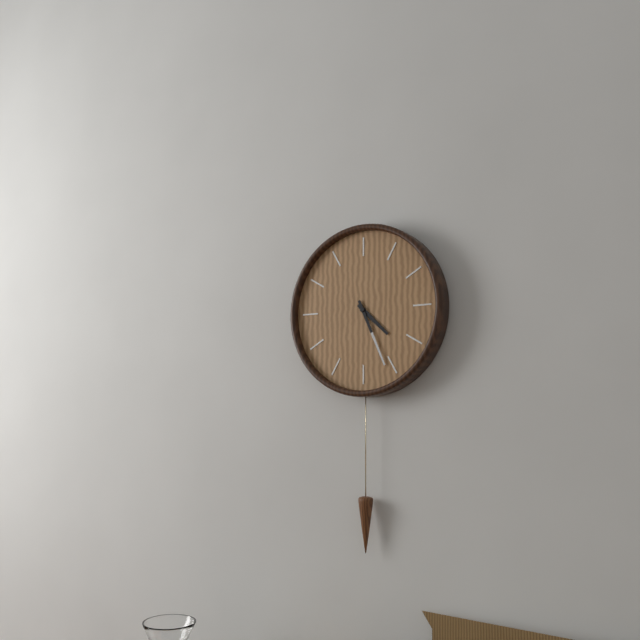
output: 4.26
